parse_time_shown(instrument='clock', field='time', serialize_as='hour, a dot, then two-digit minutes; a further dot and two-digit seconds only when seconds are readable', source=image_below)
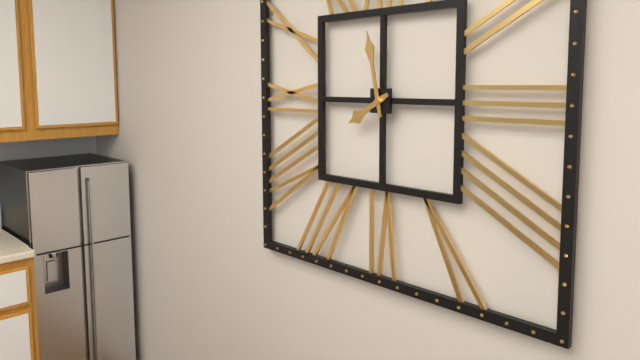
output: 7.58
